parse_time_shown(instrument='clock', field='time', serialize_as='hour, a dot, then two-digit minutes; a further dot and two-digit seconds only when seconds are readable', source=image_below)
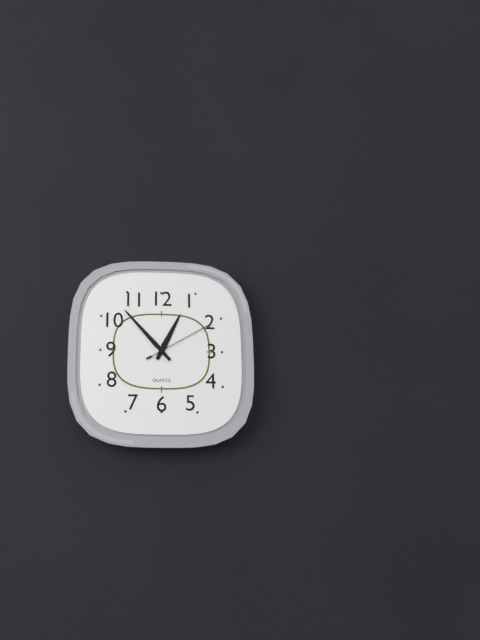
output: 12.53.10
